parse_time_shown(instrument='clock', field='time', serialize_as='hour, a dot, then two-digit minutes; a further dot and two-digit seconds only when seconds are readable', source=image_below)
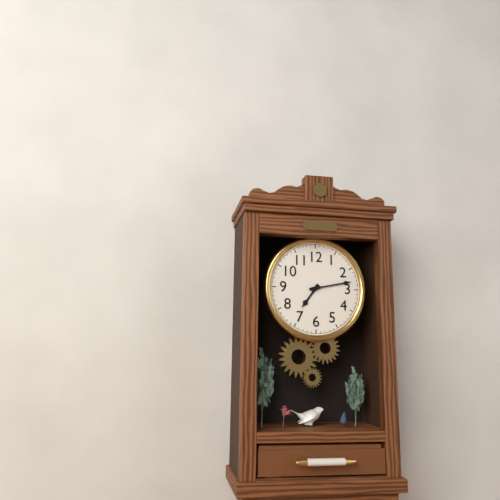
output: 7.13
